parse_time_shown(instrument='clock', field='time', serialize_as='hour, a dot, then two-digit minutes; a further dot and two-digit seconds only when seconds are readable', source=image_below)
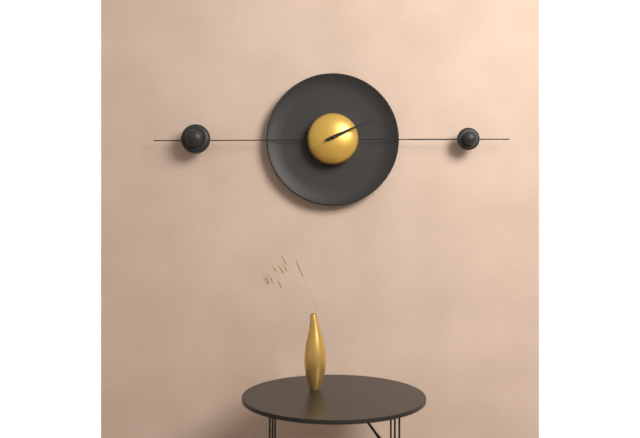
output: 2.11
